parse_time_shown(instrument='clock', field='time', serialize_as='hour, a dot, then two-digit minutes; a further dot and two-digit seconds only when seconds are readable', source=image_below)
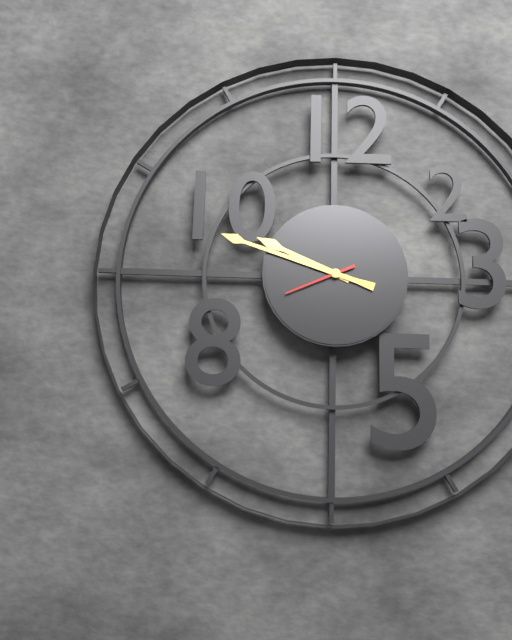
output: 9.48.41
